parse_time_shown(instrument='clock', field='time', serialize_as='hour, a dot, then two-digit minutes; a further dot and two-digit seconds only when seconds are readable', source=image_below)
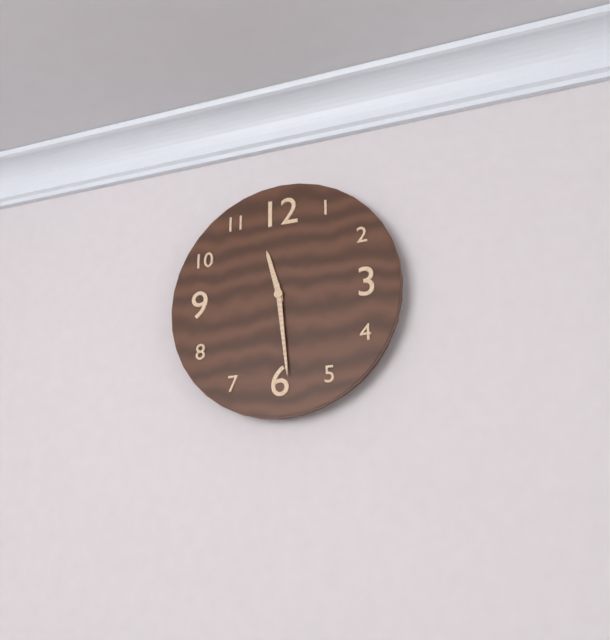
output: 11.29
